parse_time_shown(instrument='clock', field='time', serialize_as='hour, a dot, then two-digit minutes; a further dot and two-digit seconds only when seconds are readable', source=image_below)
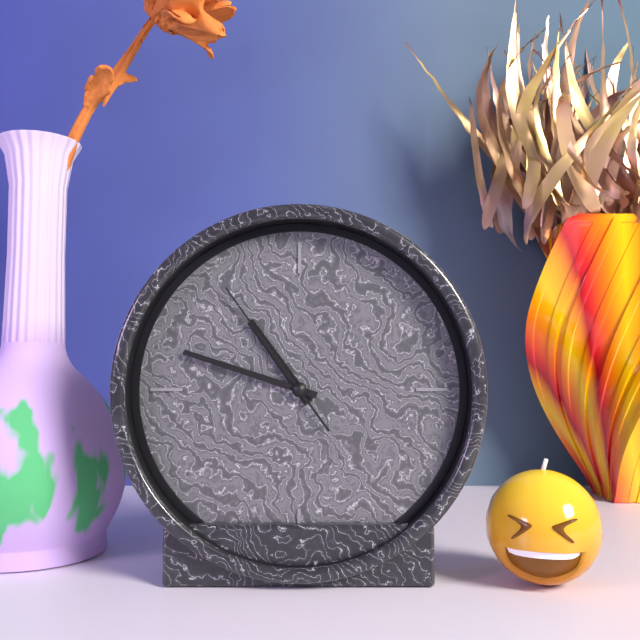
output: 10.48.54
